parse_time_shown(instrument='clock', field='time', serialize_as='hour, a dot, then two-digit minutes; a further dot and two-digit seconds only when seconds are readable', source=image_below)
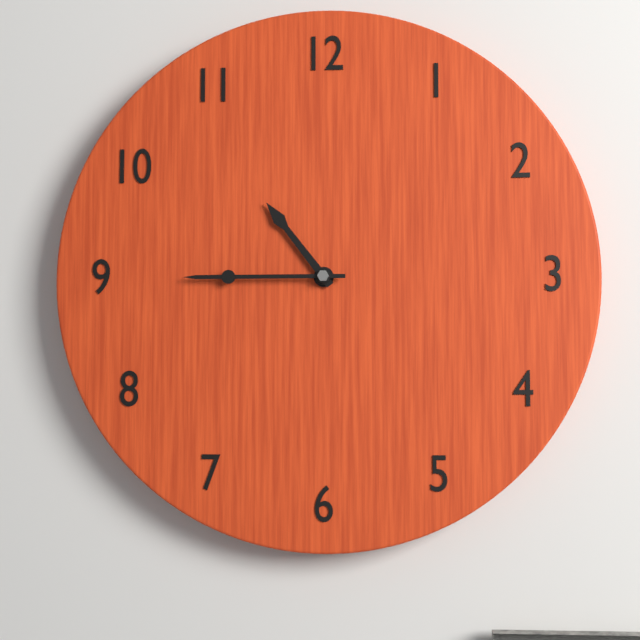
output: 10.45
